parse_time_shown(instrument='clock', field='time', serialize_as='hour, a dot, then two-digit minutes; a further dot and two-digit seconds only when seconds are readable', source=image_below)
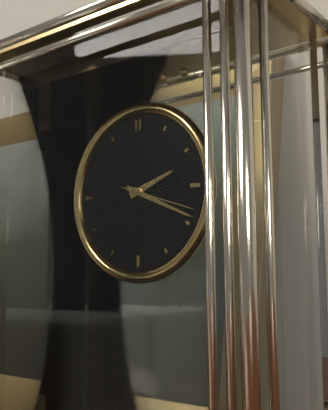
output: 2.19.18
